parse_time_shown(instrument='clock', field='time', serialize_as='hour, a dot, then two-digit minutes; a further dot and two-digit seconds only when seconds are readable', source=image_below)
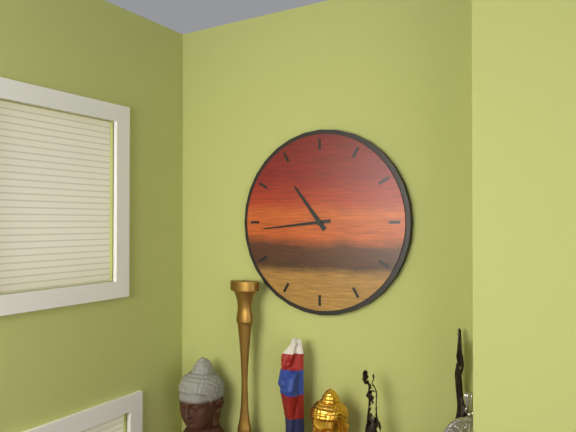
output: 10.44
